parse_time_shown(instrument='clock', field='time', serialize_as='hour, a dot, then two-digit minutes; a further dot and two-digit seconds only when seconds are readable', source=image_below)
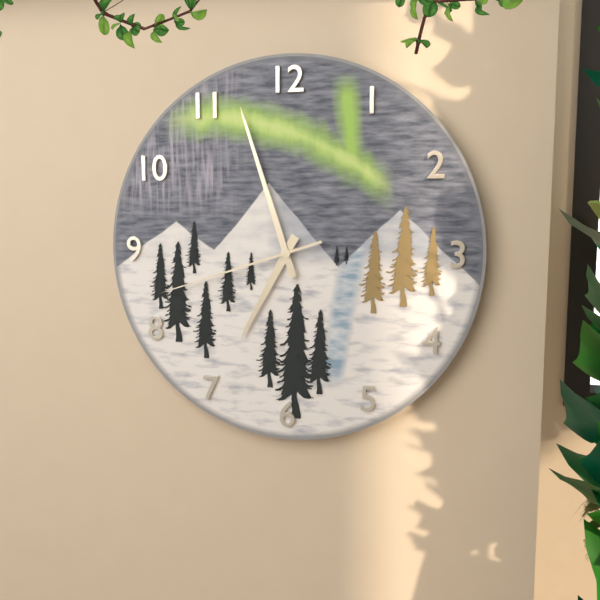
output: 6.57.42
